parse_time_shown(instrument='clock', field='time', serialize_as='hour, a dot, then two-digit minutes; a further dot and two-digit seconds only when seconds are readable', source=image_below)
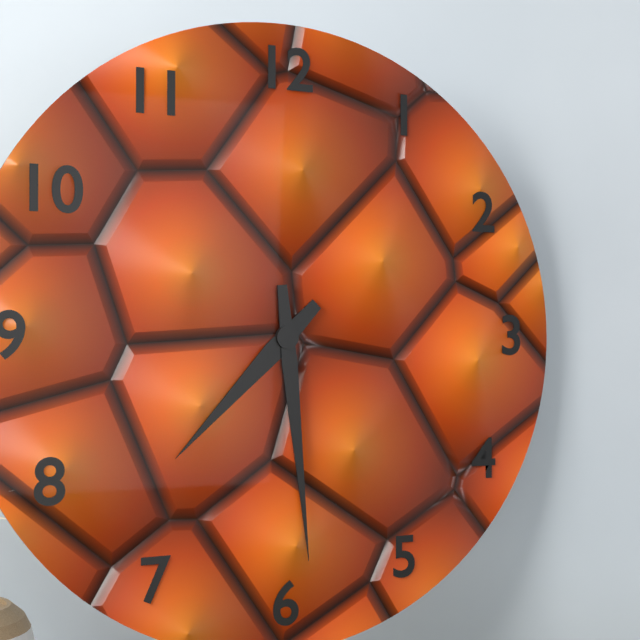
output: 7.29
